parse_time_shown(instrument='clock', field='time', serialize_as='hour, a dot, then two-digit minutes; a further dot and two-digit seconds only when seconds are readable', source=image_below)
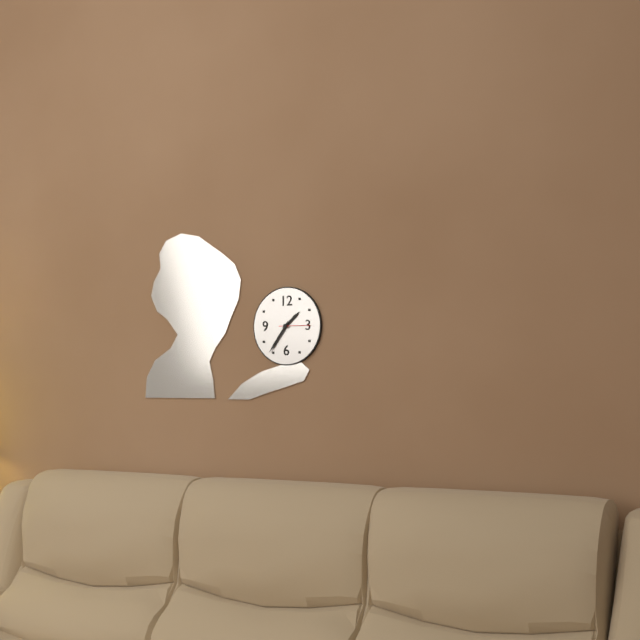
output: 1.36
